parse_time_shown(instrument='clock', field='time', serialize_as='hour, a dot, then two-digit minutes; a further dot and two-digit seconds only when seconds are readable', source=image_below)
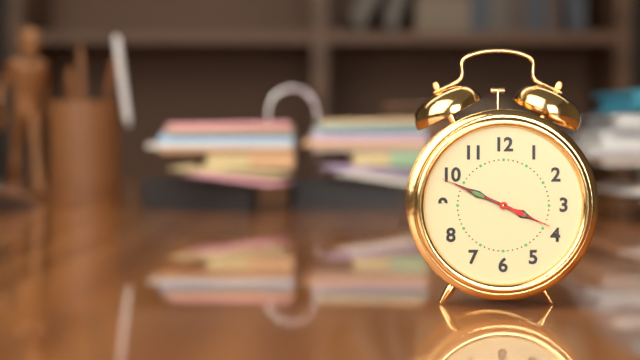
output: 3.49.49
